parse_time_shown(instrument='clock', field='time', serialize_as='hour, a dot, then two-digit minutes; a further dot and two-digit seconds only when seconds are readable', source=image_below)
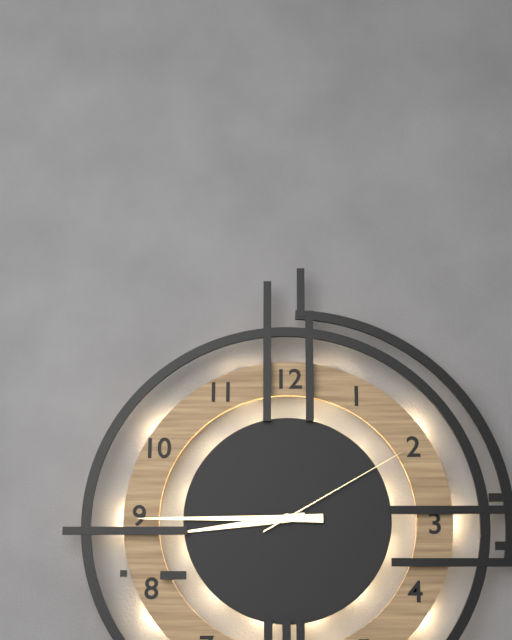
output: 8.45.10
